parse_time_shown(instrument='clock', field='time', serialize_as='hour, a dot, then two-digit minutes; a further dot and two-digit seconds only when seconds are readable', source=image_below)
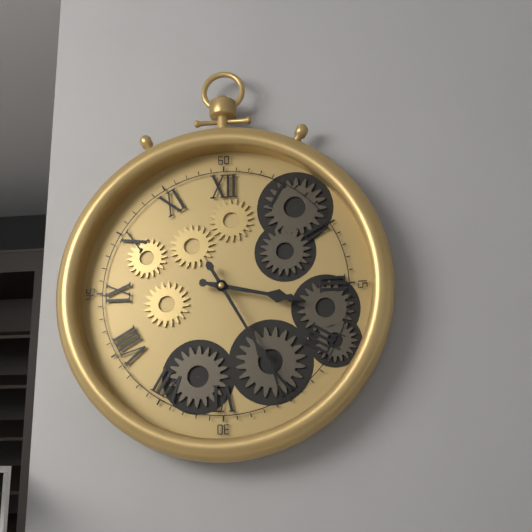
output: 3.25
